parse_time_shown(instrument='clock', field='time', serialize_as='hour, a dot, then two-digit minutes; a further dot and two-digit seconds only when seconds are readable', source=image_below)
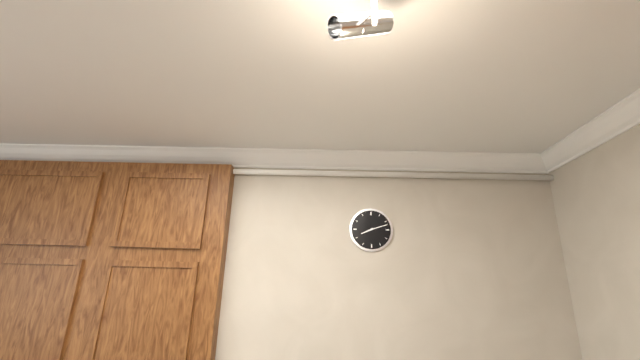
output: 8.12
